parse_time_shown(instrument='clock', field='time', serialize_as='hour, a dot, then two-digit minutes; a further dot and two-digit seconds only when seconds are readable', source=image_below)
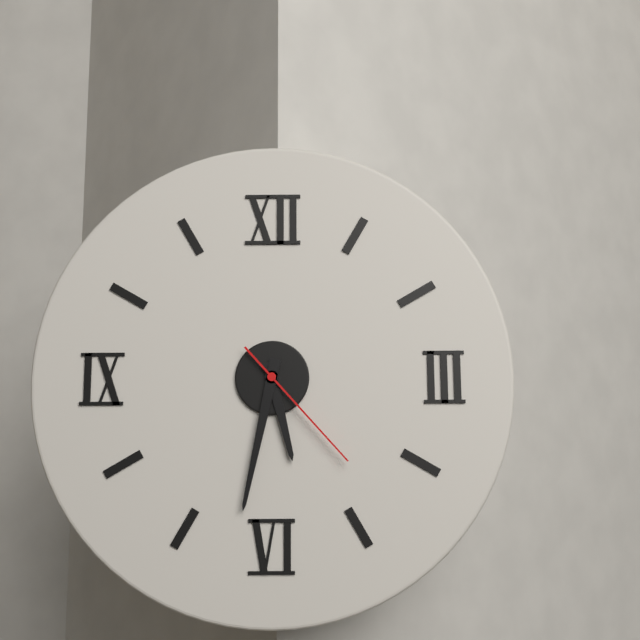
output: 5.32.23
